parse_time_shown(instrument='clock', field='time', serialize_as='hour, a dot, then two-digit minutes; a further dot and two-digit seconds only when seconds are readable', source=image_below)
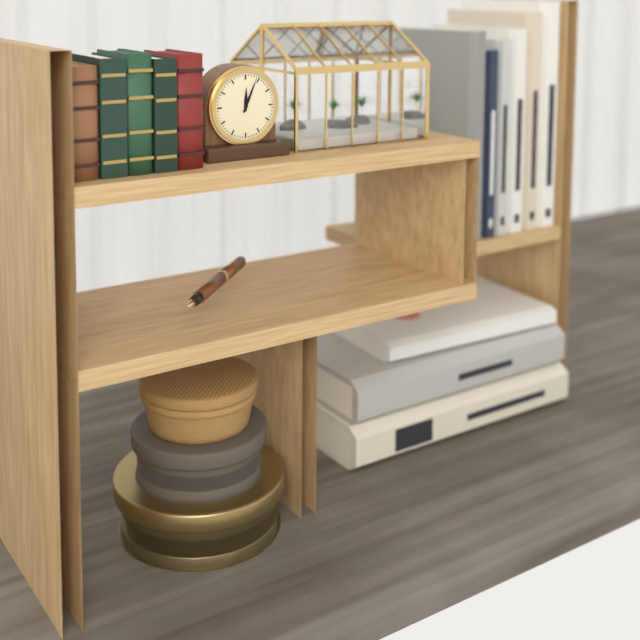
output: 12.04
